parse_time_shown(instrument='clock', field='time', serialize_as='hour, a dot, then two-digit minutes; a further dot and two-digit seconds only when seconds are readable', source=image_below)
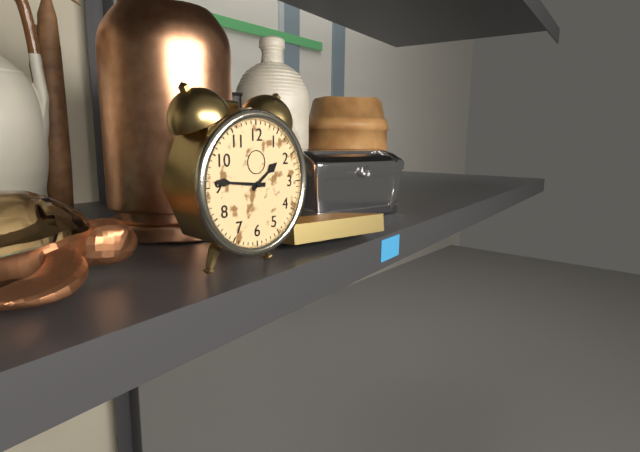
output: 1.46
